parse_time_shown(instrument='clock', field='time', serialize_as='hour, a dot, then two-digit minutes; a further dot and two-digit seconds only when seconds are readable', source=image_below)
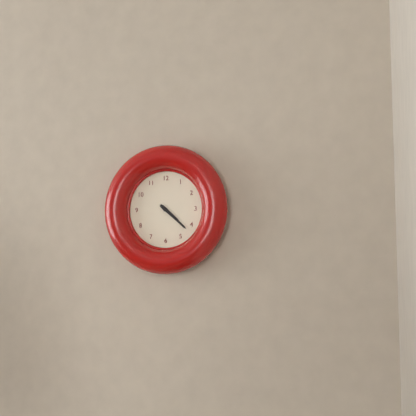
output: 4.22
